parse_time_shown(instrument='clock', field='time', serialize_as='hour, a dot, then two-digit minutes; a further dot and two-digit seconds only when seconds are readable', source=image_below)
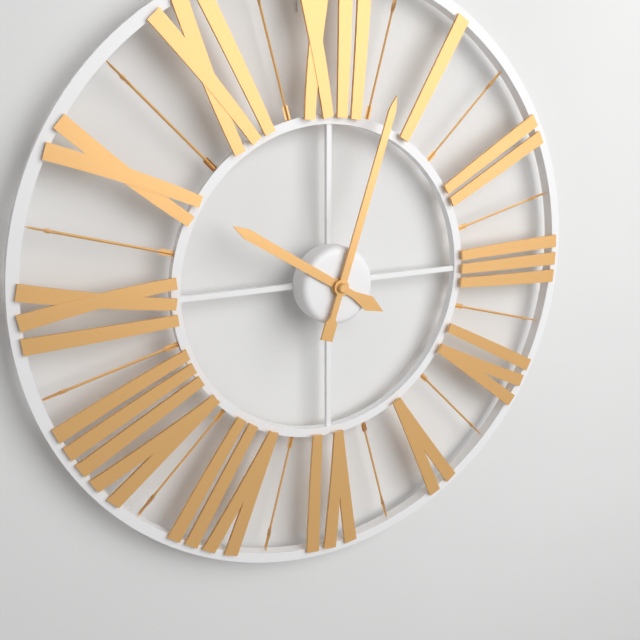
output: 10.03
